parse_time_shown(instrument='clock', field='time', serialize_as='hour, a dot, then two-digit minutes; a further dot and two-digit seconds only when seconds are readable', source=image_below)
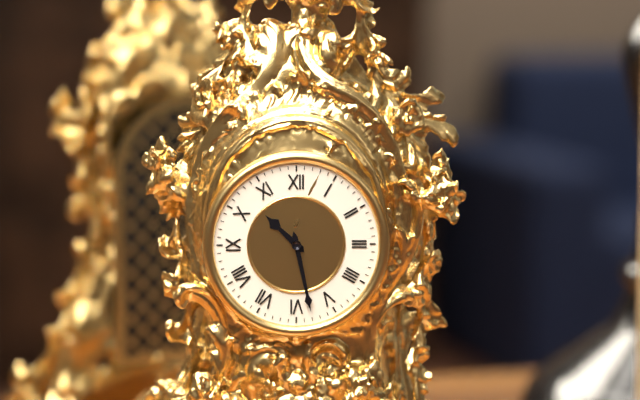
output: 10.28
